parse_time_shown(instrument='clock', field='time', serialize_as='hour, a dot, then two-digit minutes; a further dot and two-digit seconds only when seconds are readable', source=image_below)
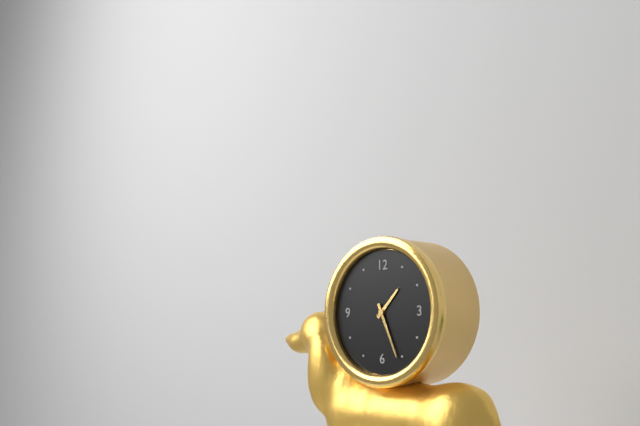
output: 1.26
